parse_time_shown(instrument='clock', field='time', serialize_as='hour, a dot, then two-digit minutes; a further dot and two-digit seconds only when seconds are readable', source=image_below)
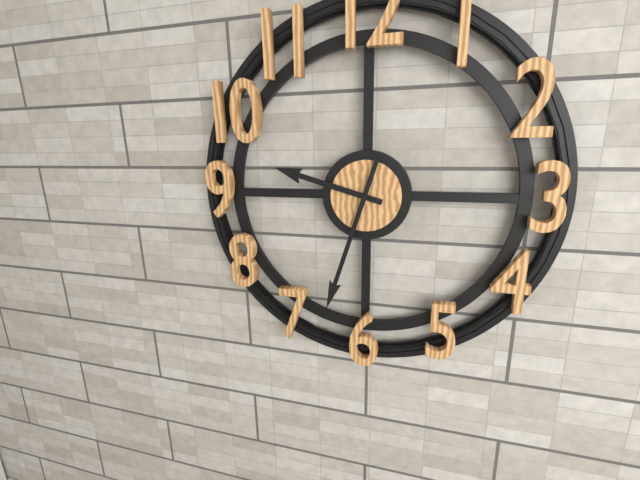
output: 9.33
